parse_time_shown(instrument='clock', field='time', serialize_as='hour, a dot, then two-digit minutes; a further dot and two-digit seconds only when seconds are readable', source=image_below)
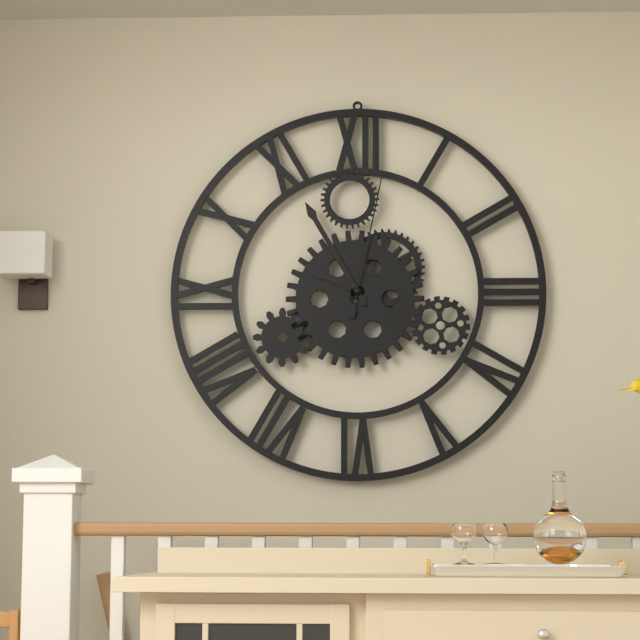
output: 9.55.02
